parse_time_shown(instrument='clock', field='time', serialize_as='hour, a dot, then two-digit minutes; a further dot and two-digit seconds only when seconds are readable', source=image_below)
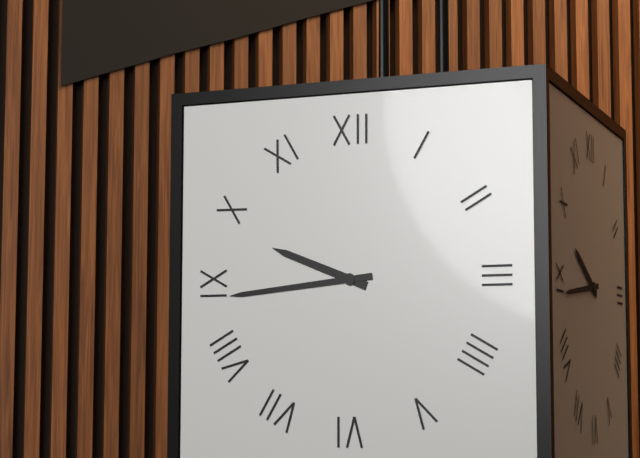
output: 9.44
